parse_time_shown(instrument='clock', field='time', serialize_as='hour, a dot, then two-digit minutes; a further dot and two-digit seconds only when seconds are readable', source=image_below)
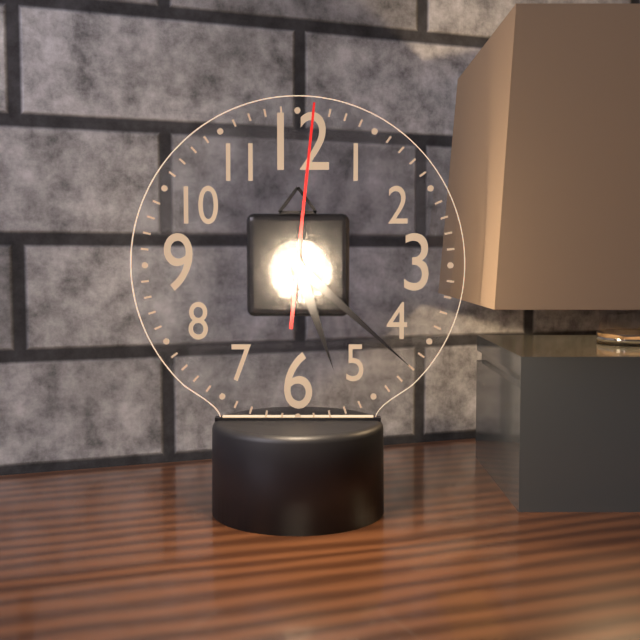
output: 5.22.01
